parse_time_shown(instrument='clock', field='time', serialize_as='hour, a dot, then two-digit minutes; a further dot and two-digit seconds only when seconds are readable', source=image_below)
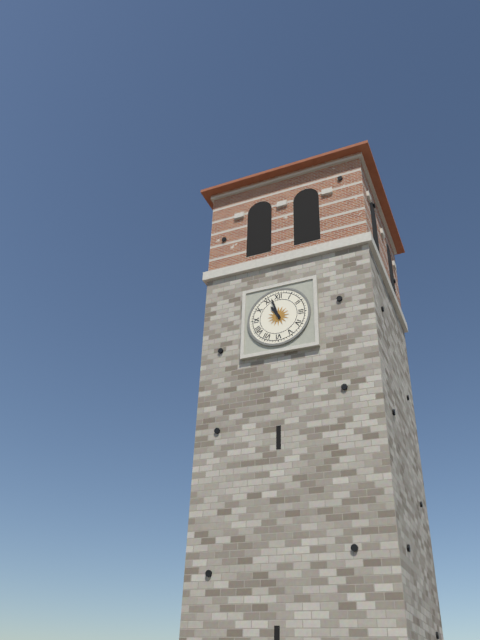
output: 10.57
